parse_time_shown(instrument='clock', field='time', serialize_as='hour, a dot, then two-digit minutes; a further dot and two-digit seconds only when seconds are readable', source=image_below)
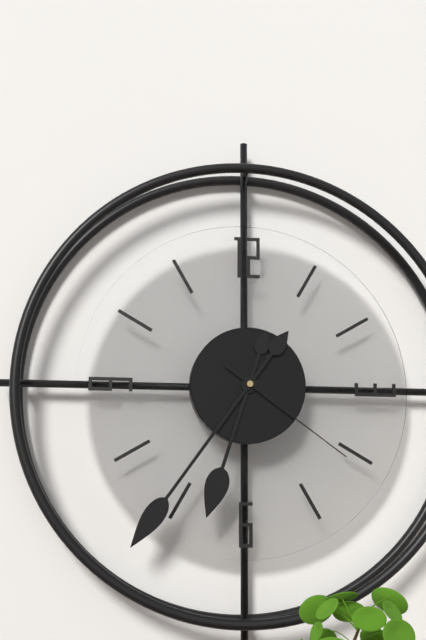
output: 6.36.21
